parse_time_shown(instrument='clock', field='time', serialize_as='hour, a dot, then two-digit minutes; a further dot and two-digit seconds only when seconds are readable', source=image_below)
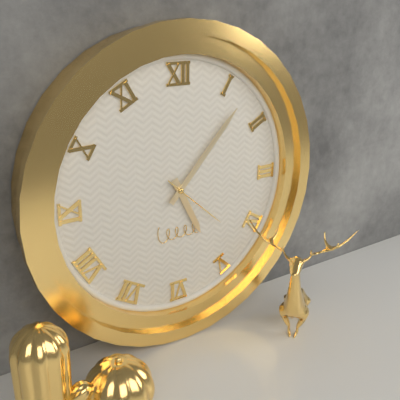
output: 5.07.22
